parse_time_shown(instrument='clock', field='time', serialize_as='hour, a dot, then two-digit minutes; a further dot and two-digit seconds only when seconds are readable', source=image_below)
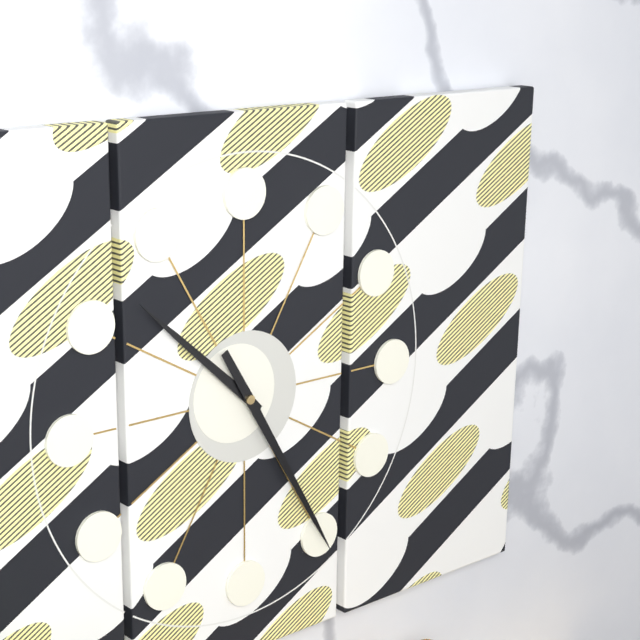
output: 10.25
